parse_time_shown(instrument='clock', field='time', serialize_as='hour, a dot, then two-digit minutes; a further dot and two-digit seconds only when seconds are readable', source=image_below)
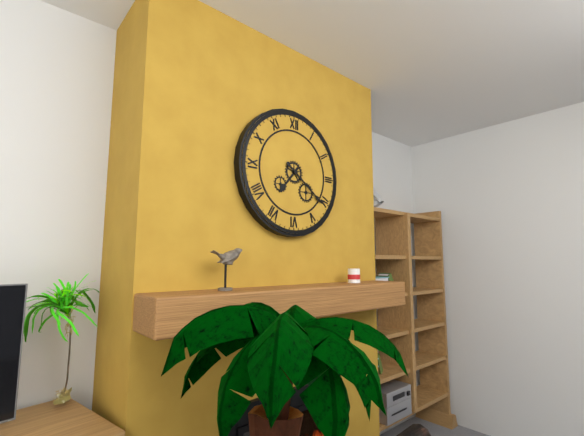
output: 7.21
